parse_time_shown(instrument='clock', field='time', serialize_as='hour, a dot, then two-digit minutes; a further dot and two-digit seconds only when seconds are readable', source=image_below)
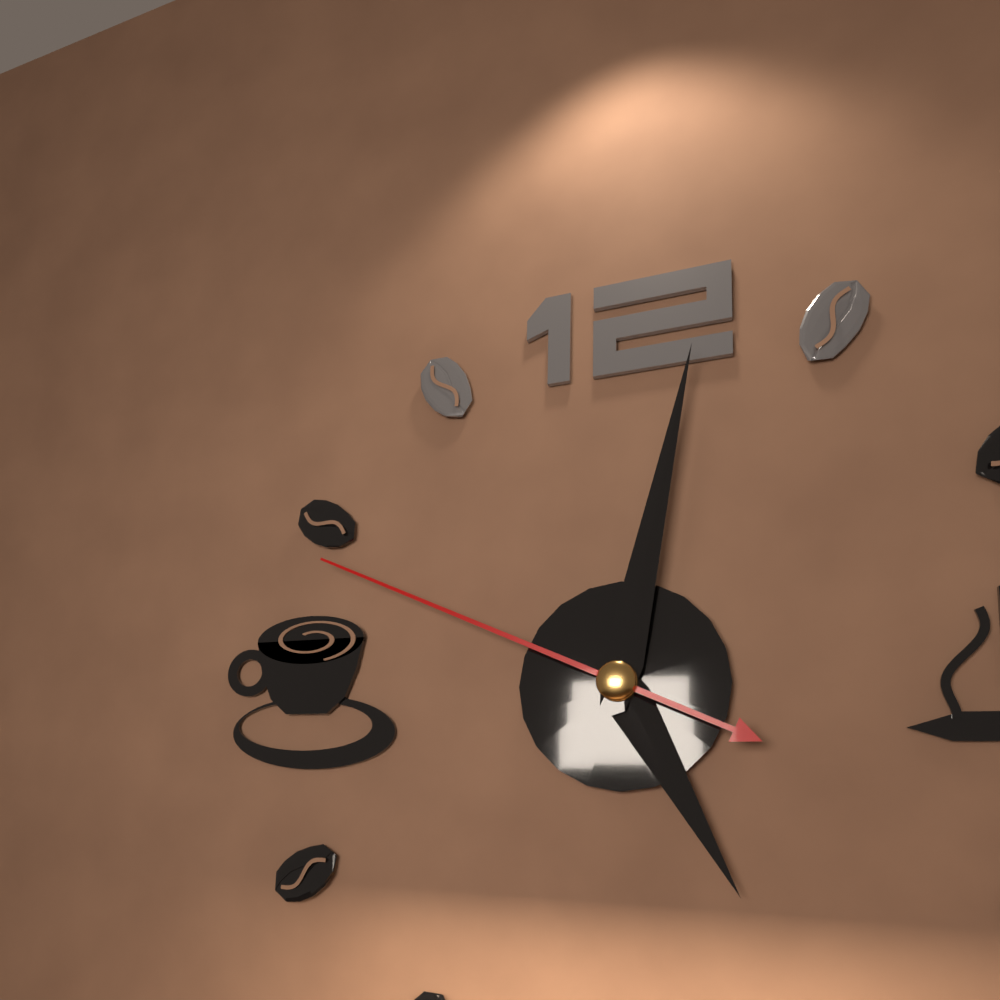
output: 5.02.49
